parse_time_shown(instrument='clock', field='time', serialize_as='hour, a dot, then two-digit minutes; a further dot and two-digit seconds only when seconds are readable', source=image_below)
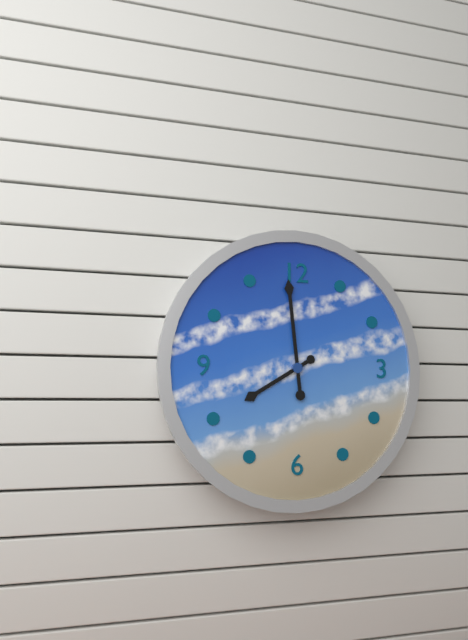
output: 7.59
